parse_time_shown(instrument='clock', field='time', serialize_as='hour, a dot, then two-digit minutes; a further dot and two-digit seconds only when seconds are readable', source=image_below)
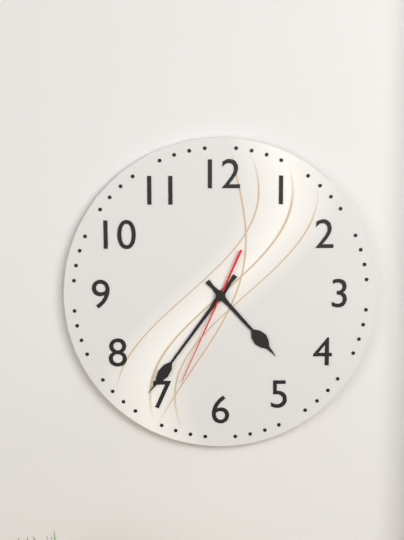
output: 4.36.34
